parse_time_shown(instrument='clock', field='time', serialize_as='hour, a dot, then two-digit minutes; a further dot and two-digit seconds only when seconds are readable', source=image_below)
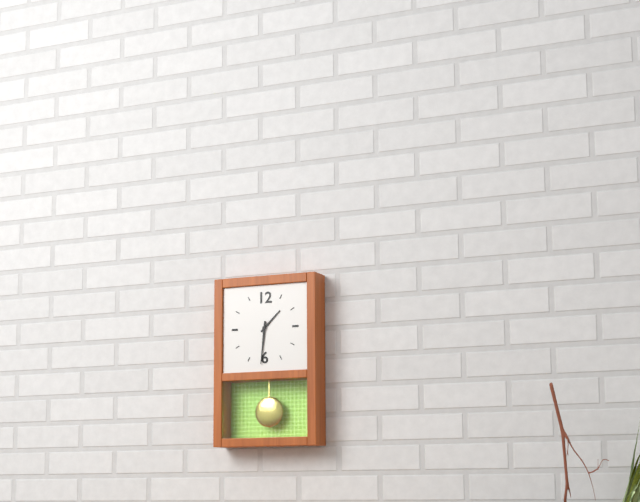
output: 1.31
